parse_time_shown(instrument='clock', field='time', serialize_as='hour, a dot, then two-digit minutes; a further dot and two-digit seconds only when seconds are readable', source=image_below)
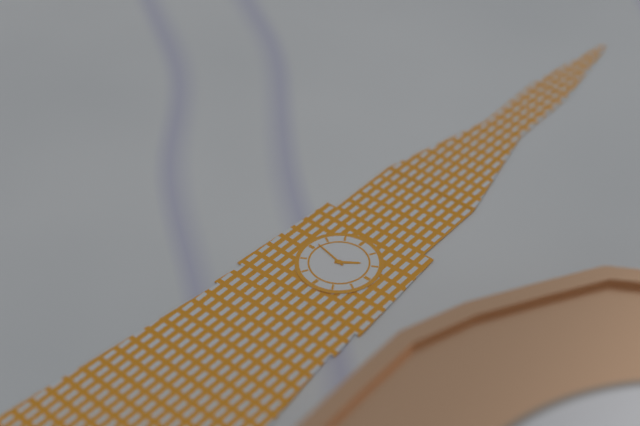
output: 1.47
